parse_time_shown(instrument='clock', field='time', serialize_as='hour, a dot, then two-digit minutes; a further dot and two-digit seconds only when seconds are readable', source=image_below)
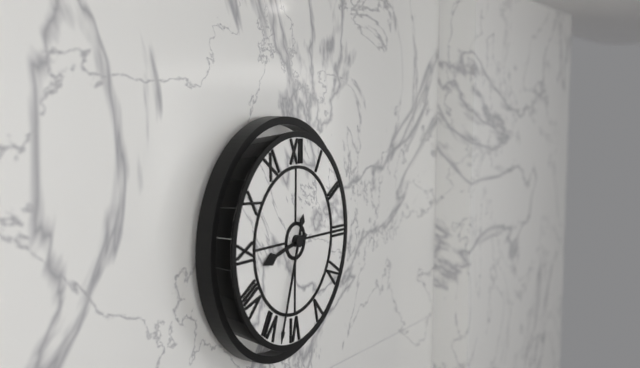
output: 8.33
